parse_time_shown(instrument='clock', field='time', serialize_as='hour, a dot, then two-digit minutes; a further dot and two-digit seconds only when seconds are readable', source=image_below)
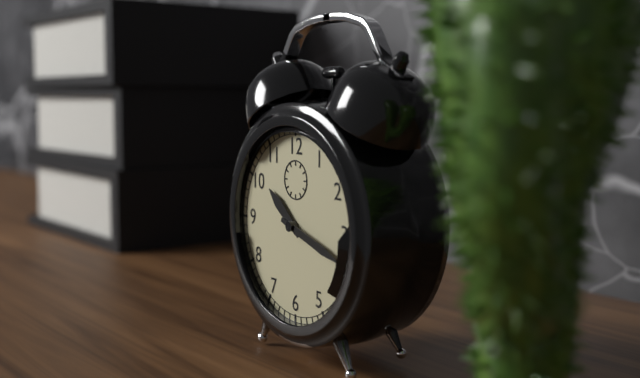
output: 10.18
